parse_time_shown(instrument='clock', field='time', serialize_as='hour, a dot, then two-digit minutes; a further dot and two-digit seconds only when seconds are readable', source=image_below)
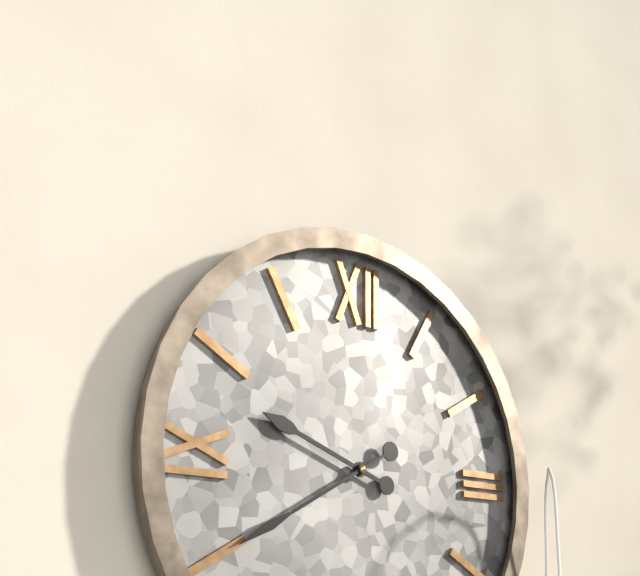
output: 9.40
